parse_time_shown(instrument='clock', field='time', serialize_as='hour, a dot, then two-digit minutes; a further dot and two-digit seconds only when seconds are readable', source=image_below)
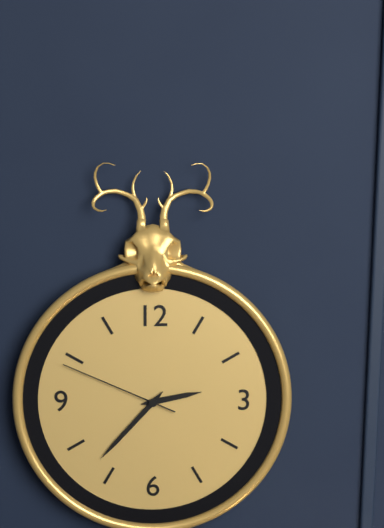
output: 2.37.49
